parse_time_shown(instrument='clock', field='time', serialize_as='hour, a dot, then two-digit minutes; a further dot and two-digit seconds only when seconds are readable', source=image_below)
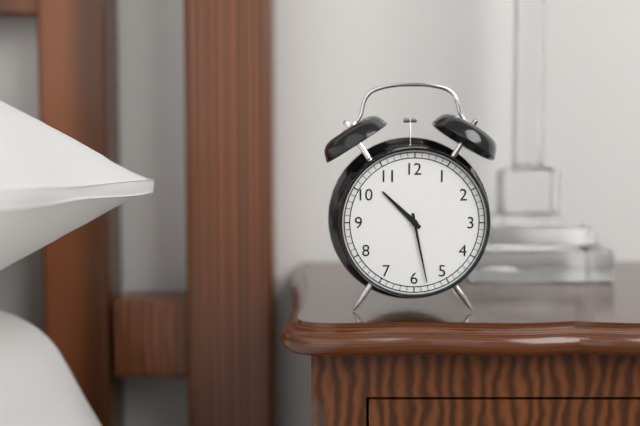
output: 10.28
